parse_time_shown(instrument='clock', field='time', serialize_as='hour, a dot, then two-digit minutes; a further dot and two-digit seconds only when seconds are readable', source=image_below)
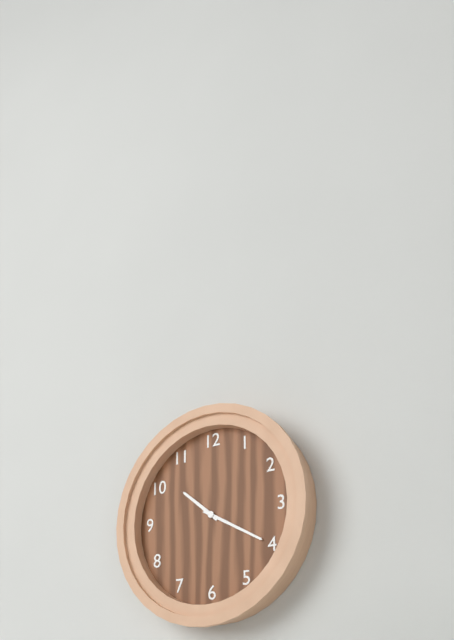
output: 10.20
